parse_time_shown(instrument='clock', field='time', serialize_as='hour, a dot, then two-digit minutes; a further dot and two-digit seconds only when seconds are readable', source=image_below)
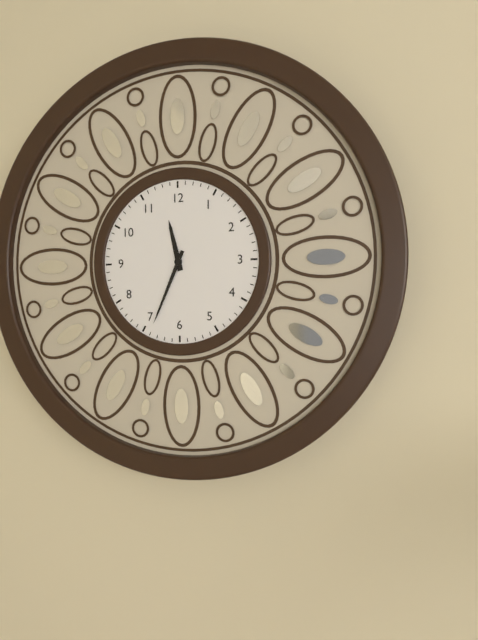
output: 11.34
